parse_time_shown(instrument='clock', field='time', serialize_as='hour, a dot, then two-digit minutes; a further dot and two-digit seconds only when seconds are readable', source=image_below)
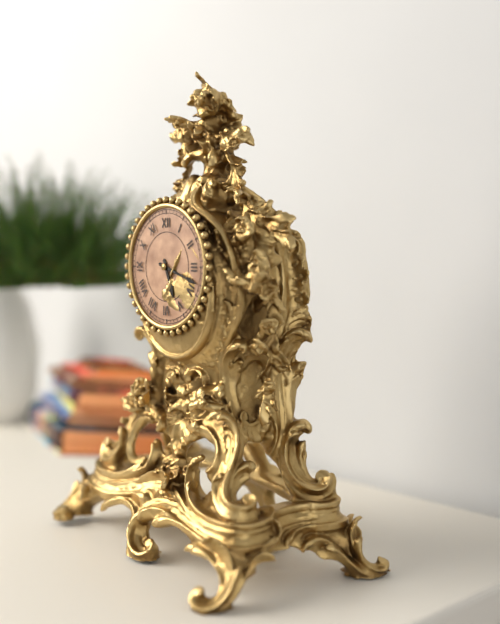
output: 5.18
